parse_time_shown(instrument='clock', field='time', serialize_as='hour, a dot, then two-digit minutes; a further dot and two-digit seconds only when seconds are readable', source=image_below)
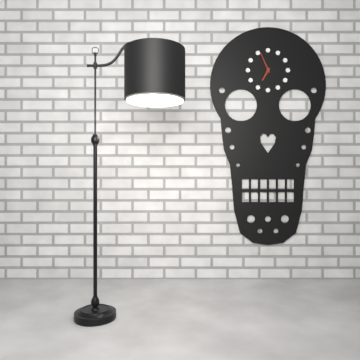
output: 6.56
